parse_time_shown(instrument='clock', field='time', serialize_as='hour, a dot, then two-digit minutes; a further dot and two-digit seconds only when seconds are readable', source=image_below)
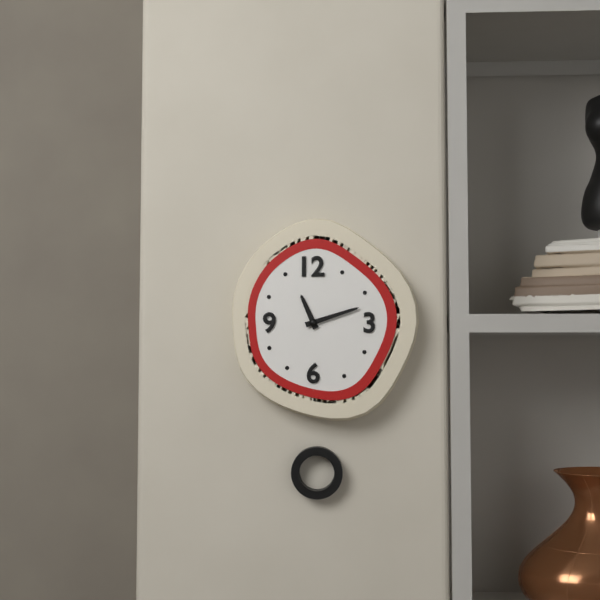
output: 11.12
